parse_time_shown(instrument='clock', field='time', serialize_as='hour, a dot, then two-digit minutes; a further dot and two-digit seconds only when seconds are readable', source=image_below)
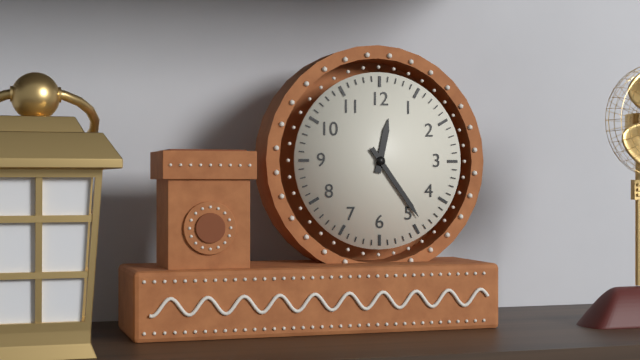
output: 12.24
